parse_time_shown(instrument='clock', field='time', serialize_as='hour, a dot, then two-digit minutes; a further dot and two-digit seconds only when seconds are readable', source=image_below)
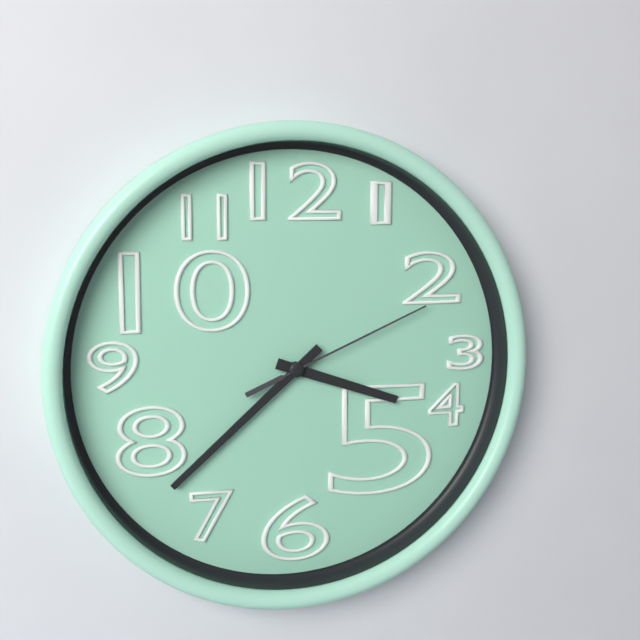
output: 3.38.11
